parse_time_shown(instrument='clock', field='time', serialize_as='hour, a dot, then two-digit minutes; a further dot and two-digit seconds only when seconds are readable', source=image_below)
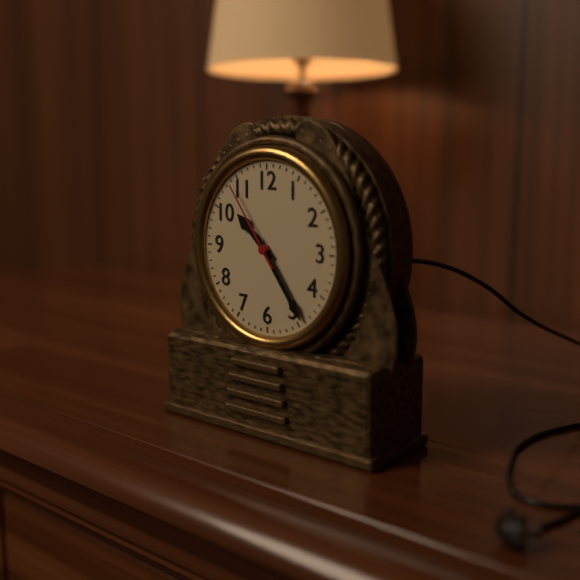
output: 10.24.54
